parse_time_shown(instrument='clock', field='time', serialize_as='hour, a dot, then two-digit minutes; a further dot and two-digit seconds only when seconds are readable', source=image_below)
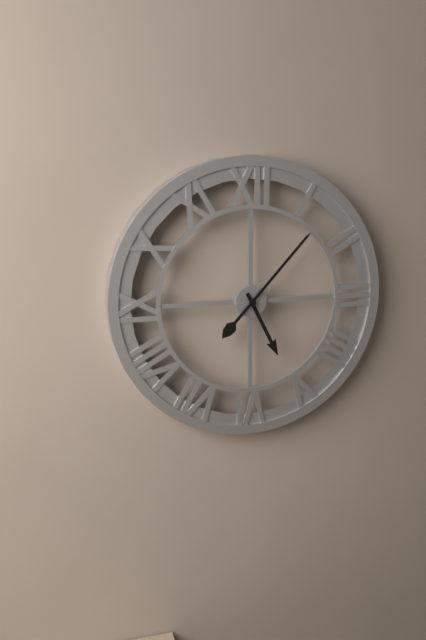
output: 5.07
